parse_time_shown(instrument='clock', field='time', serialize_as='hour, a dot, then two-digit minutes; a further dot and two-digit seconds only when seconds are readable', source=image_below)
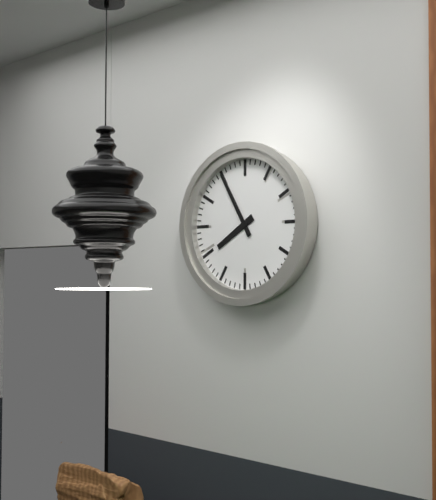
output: 7.55
